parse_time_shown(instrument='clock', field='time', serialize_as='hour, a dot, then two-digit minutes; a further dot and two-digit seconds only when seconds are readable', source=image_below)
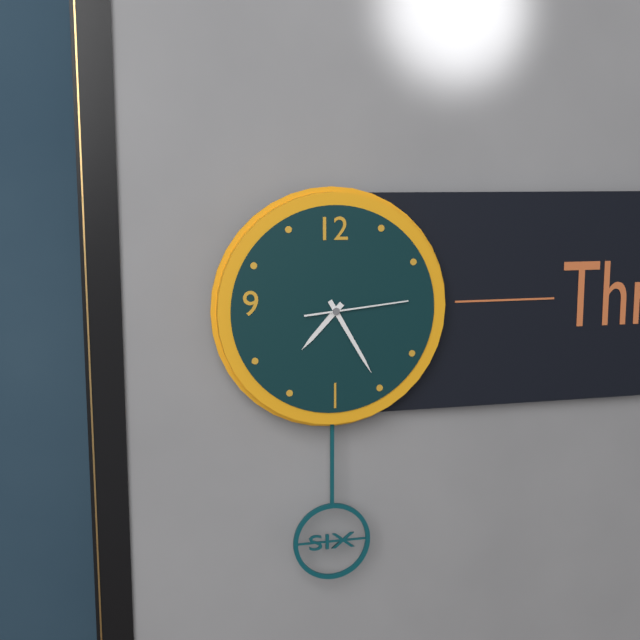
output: 7.25.14
